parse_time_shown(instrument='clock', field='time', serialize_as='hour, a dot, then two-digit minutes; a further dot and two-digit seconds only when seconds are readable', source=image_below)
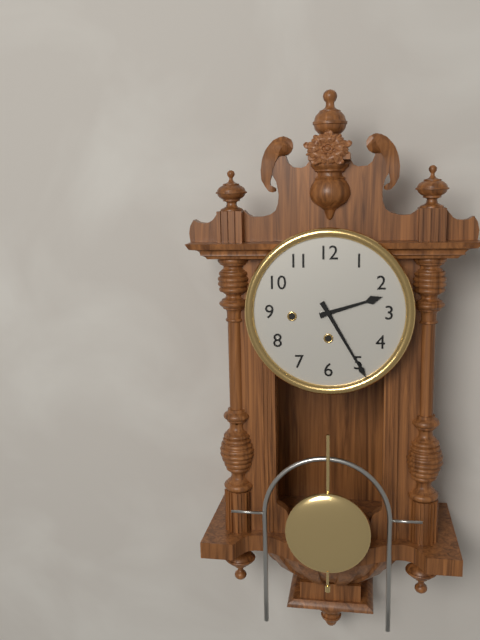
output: 2.25
